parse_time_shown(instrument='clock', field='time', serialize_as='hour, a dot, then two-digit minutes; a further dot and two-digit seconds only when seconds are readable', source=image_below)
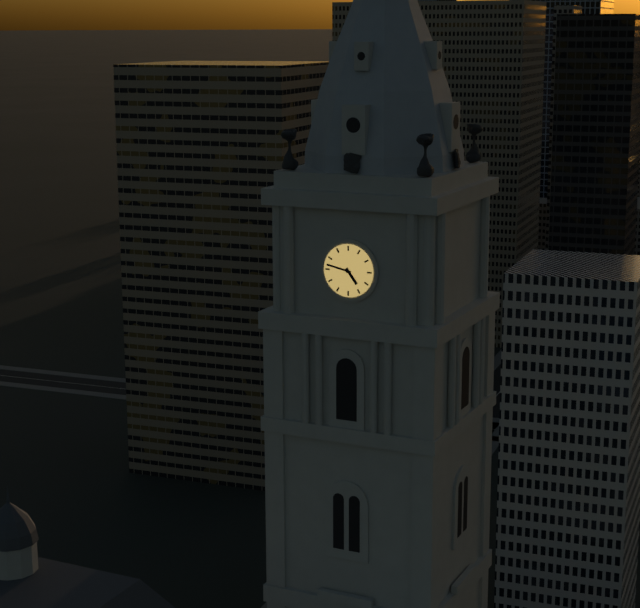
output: 4.47
